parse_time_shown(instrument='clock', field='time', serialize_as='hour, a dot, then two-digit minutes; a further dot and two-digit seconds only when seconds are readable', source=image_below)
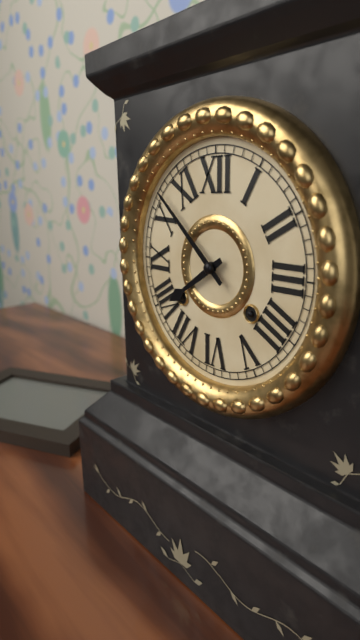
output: 7.52
